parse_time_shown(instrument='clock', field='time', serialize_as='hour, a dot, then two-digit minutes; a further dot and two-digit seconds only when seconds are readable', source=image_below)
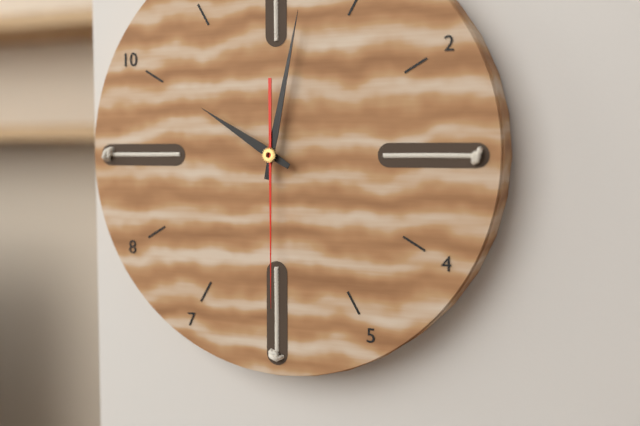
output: 10.02.30
